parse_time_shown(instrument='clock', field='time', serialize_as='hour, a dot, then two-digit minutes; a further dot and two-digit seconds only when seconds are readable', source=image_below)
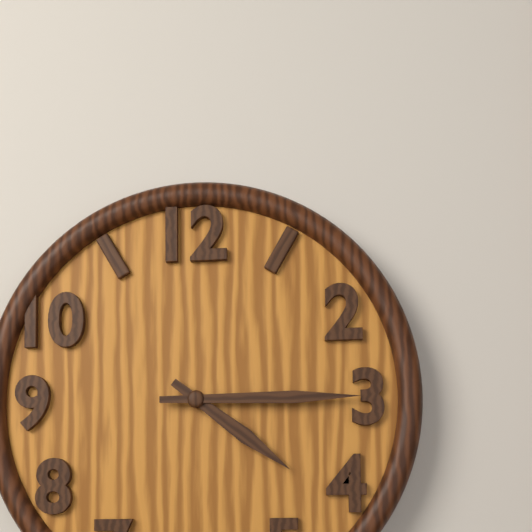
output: 4.15
